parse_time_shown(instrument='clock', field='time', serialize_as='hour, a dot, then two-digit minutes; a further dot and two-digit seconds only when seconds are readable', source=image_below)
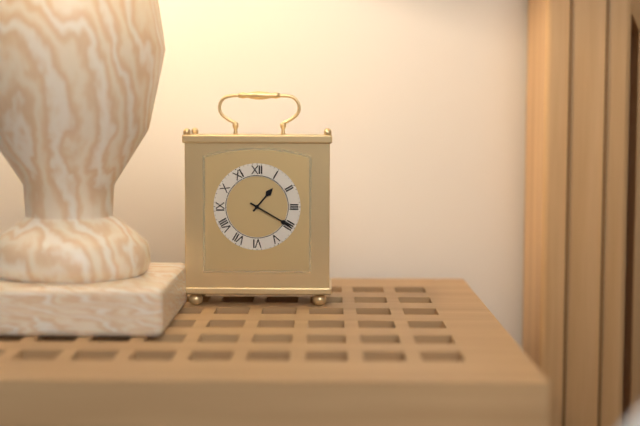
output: 1.20
